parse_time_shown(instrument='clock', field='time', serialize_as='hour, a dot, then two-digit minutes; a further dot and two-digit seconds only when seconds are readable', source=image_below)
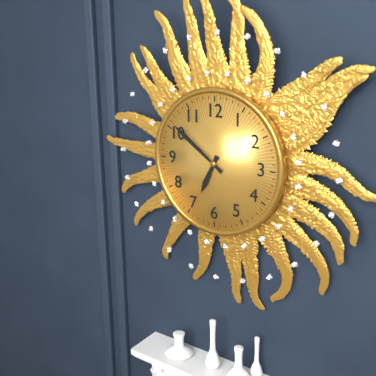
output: 6.51
